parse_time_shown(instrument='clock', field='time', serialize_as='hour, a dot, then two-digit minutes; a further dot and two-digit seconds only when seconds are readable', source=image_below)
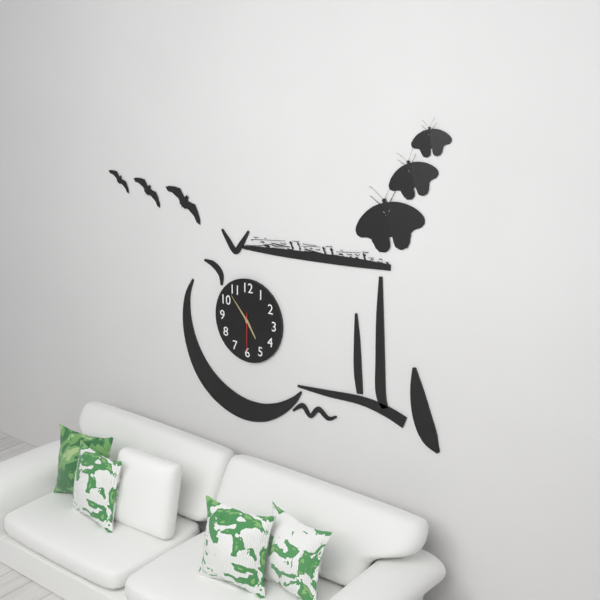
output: 4.53
